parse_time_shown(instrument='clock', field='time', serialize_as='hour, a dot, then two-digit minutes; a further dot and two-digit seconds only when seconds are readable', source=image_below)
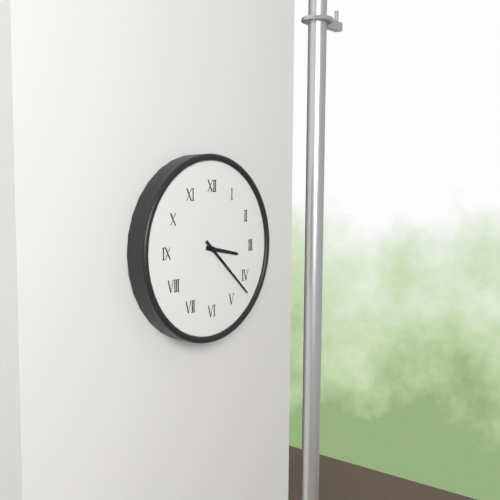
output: 3.22
